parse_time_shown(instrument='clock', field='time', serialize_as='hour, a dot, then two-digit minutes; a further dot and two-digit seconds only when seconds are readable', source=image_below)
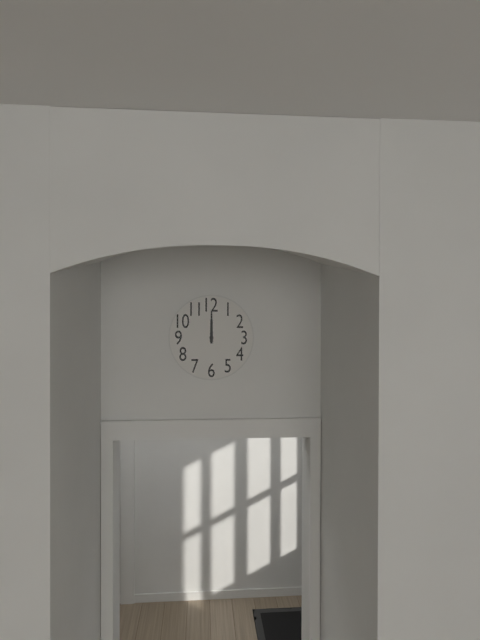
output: 12.00
